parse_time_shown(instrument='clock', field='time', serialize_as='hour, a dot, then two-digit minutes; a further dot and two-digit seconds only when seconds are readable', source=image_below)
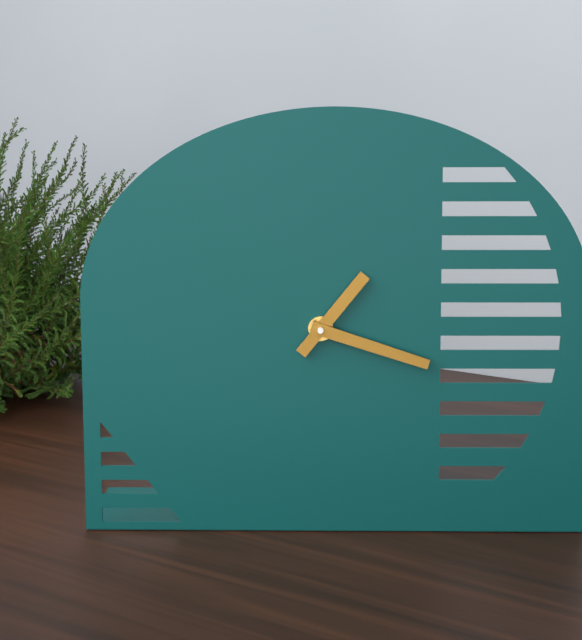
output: 1.18
